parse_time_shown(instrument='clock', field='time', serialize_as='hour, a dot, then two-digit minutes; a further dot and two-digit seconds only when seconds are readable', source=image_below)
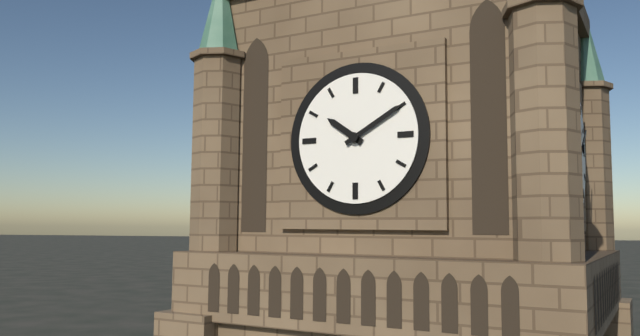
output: 10.10
